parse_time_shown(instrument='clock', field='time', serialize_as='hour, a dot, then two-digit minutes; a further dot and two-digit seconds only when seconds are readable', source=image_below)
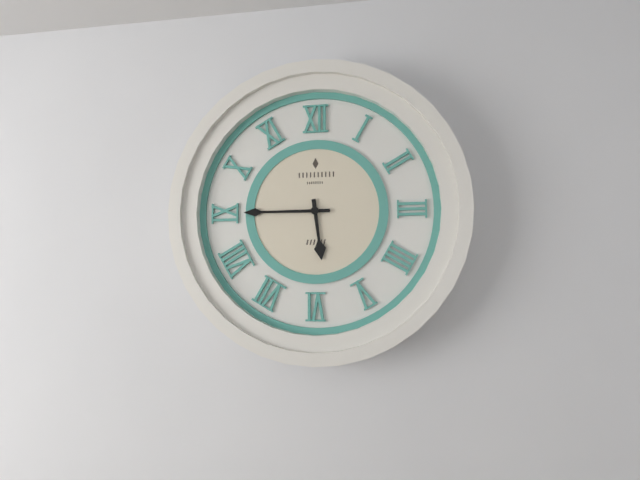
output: 5.45
